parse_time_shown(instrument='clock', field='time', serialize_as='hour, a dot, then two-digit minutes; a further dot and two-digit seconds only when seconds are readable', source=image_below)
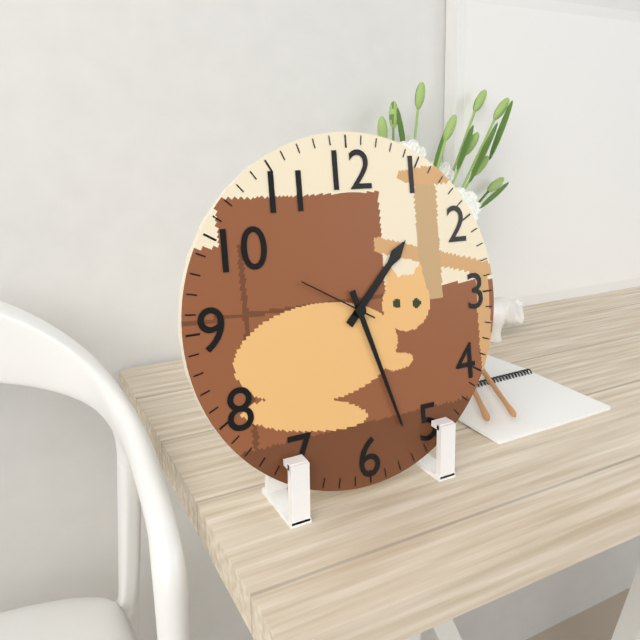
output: 1.27.50
